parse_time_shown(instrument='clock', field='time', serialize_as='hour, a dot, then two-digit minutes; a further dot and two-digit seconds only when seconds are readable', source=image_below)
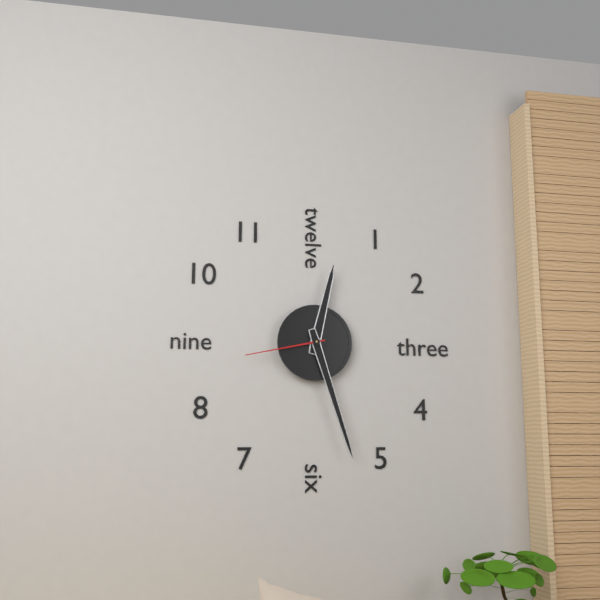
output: 12.27.43
